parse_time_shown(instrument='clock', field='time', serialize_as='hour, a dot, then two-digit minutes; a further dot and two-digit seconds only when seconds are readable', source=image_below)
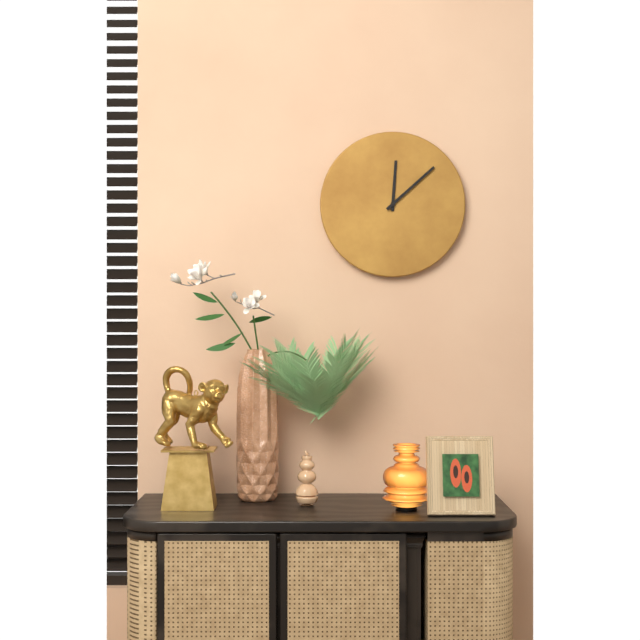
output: 12.08
